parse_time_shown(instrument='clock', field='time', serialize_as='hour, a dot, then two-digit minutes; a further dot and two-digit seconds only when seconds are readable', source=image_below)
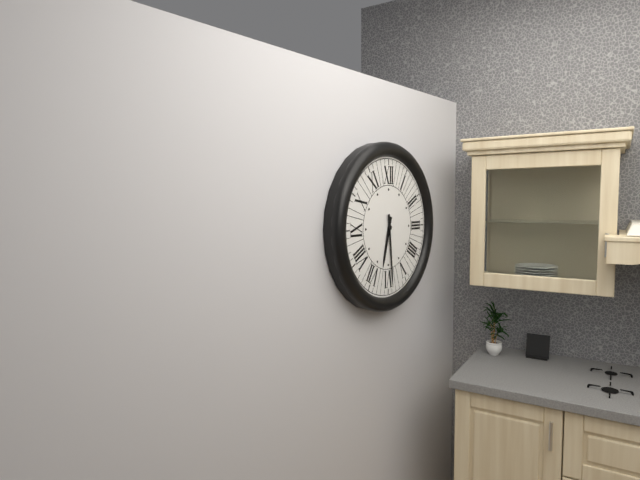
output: 6.29
